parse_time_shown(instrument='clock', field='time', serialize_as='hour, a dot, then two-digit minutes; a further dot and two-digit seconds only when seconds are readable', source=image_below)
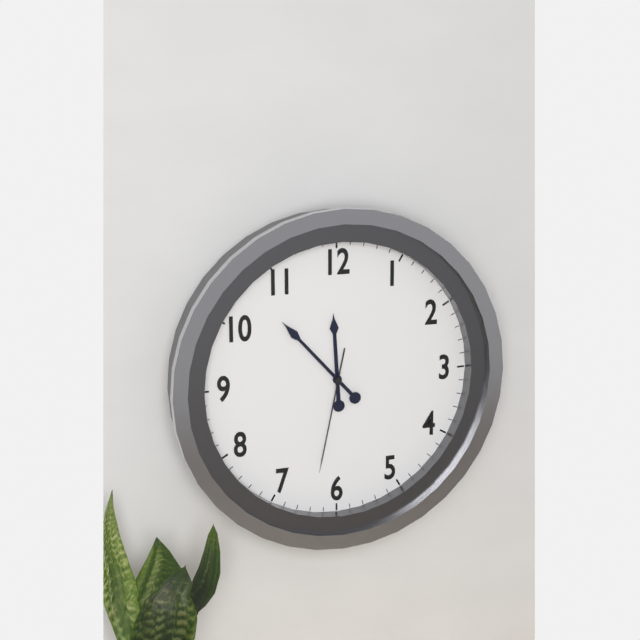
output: 11.53.32
